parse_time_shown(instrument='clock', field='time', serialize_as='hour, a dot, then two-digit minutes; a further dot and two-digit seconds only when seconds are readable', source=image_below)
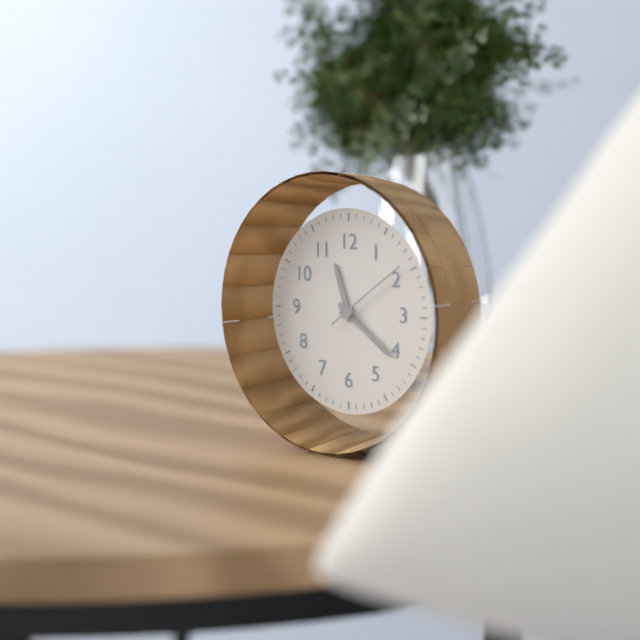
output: 11.21.09
